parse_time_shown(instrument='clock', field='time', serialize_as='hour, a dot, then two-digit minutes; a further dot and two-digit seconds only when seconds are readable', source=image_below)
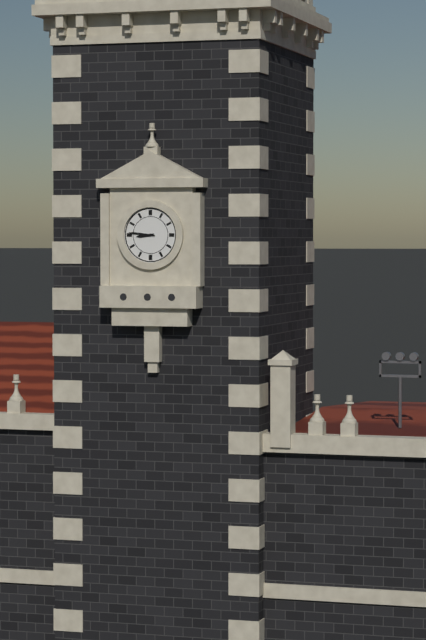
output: 8.46
